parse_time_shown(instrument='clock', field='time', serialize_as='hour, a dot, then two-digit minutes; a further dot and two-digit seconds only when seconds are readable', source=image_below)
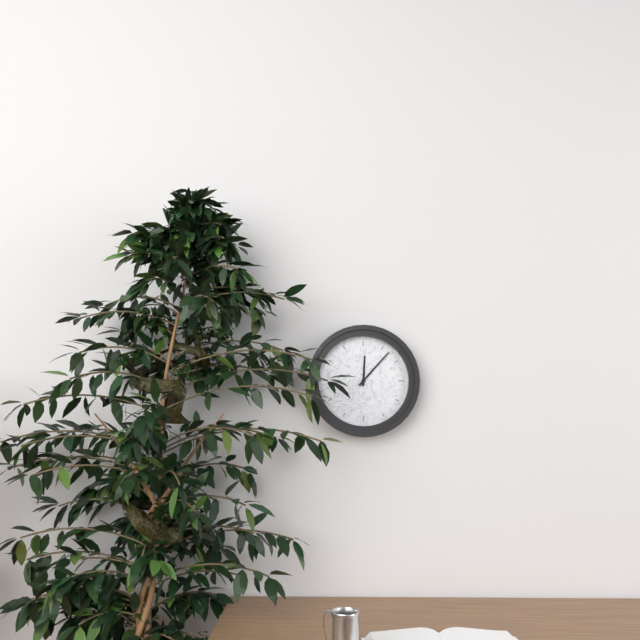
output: 12.07
